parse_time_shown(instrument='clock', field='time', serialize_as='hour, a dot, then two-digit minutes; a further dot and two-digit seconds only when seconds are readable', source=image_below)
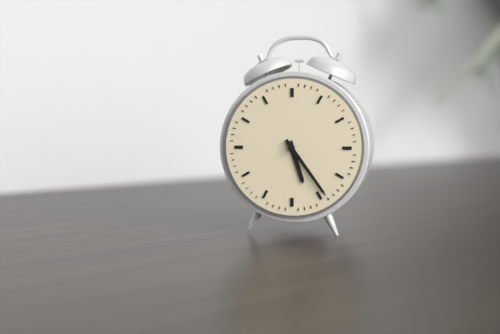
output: 5.24
